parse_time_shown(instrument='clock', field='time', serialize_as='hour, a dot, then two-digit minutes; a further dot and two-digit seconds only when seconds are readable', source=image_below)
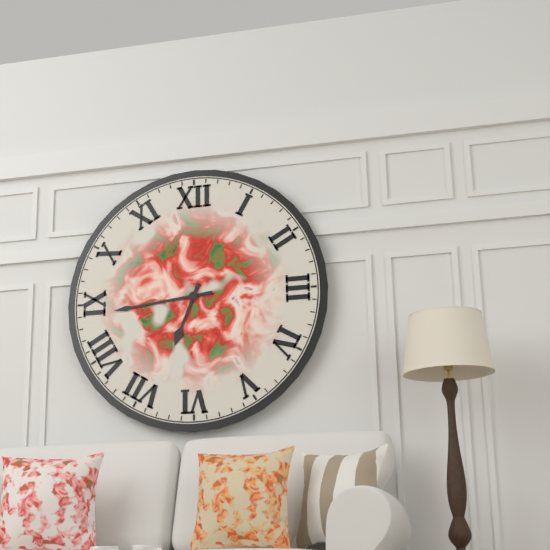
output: 6.44
